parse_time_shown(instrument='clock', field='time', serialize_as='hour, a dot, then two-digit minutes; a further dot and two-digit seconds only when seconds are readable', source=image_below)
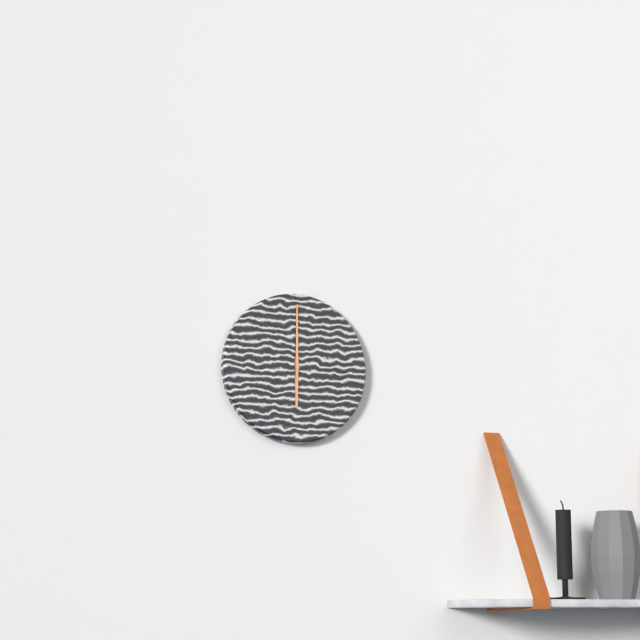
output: 6.00
